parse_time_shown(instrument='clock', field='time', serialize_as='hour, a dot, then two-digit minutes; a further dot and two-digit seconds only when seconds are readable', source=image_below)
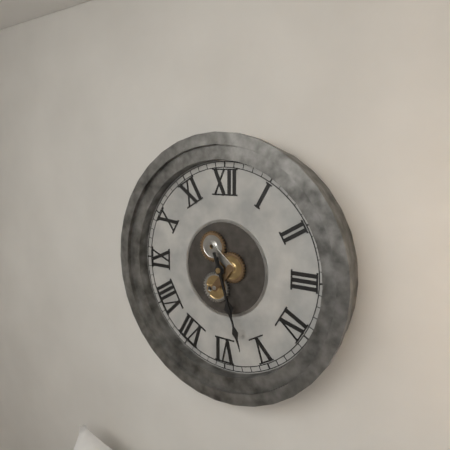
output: 5.27
